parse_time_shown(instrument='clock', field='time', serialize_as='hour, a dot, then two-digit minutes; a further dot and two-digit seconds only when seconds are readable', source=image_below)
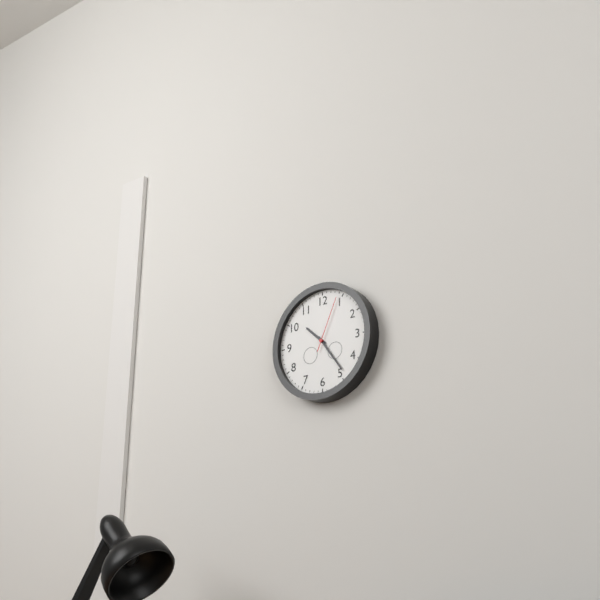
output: 10.24.04
